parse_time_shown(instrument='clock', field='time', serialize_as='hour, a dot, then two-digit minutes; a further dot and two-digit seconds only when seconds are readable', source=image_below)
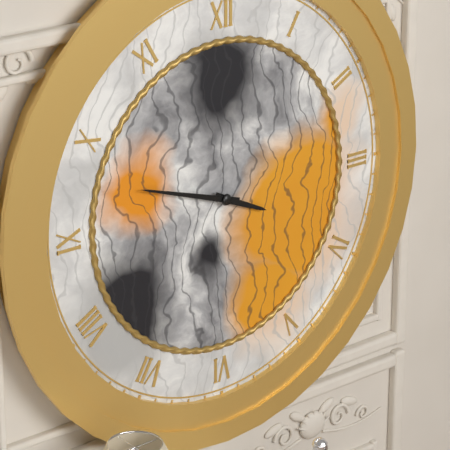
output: 3.48
